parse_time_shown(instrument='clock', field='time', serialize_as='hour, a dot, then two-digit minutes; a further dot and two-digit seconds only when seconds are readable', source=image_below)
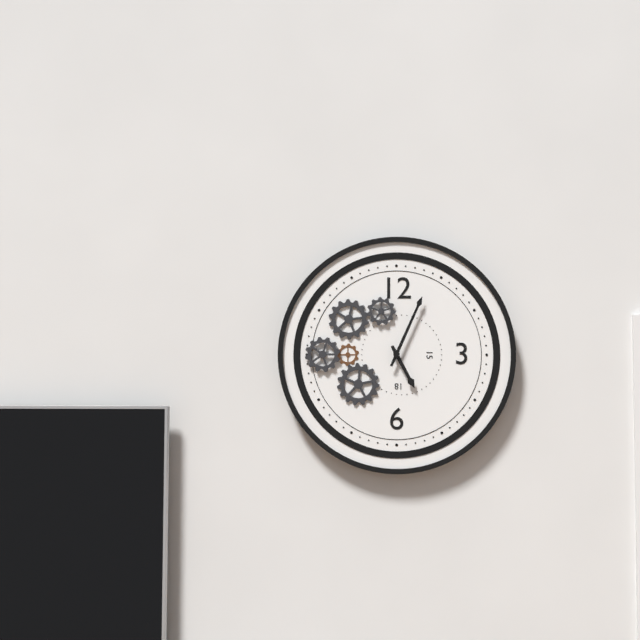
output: 5.04
